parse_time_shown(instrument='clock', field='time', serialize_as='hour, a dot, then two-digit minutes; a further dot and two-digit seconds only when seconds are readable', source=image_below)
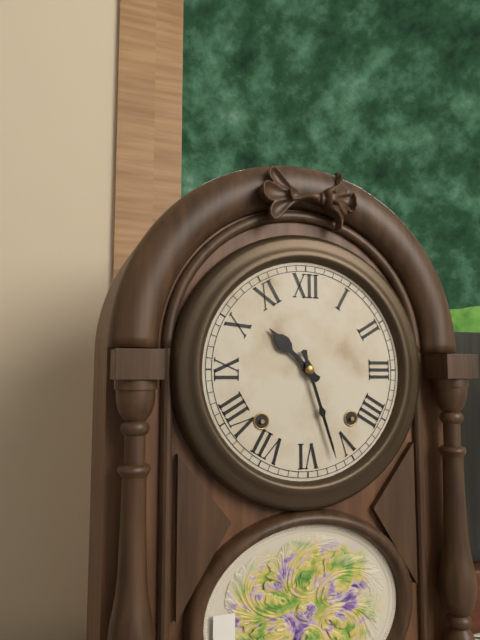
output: 10.27
